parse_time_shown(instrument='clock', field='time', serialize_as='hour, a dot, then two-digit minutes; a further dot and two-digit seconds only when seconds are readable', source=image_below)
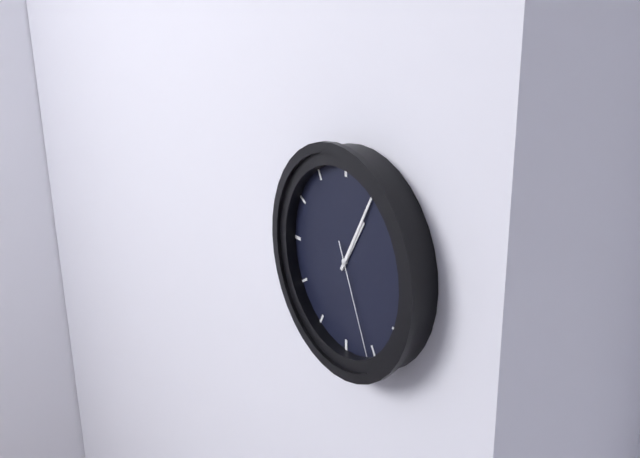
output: 1.05.26
